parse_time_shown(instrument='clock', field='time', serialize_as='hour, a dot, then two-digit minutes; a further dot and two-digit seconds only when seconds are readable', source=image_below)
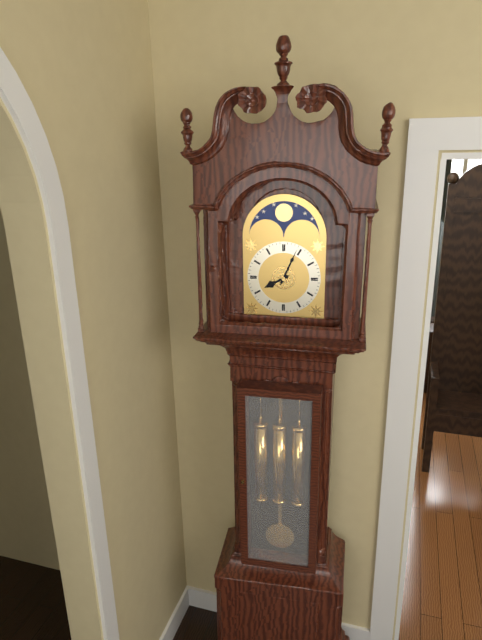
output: 8.04
